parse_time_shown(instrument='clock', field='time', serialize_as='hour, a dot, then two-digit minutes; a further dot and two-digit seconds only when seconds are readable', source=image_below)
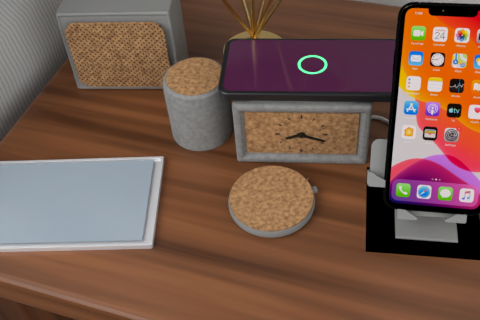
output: 8.18
